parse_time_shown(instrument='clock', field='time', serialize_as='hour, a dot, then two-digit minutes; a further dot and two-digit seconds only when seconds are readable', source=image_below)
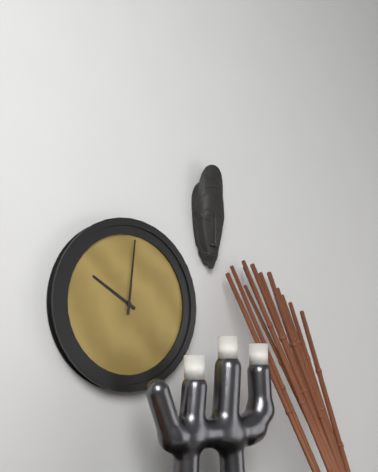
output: 10.01
